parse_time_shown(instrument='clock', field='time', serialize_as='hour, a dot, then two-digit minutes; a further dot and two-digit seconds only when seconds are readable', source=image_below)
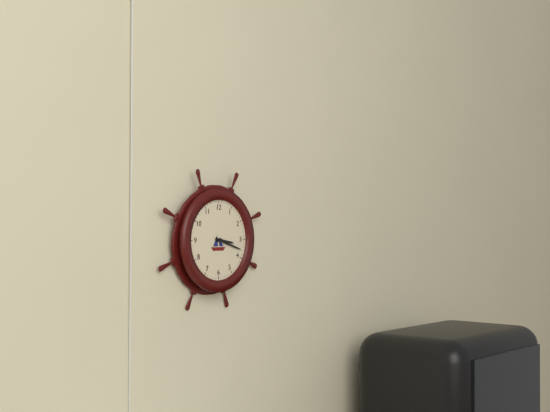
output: 3.18
